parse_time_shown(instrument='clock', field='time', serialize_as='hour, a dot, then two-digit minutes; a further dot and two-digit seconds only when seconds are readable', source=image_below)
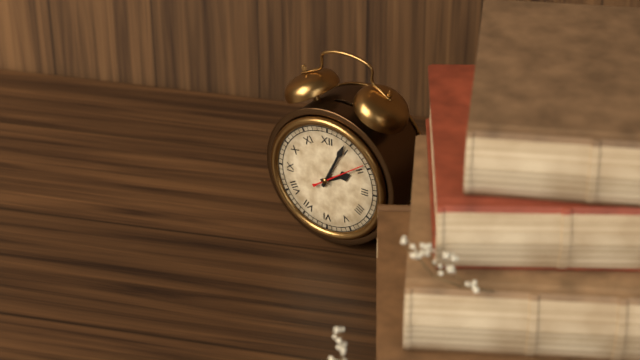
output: 2.04.09
